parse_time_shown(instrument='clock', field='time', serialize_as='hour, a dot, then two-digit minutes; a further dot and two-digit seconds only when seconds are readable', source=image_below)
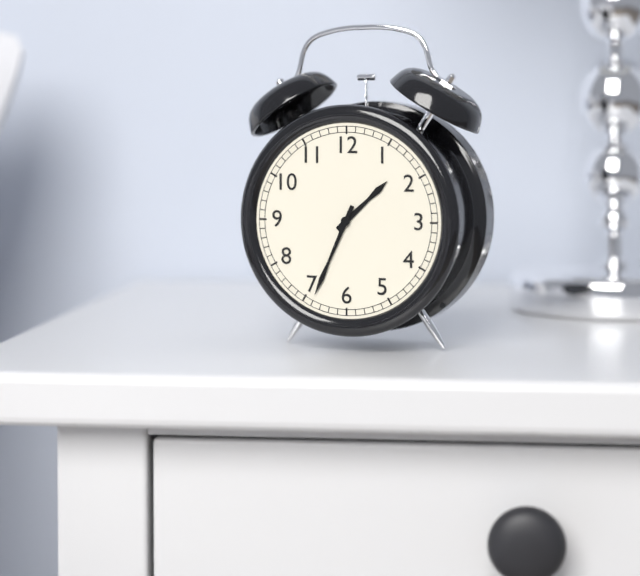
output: 1.34
